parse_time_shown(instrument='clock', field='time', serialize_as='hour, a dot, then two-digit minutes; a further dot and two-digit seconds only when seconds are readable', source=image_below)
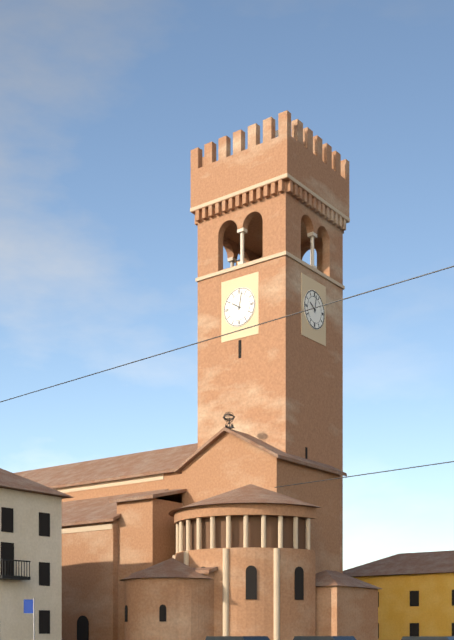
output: 10.02
